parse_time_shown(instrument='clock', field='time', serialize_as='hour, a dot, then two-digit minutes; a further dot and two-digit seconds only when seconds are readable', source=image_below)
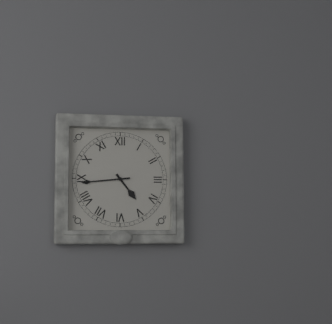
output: 4.44
